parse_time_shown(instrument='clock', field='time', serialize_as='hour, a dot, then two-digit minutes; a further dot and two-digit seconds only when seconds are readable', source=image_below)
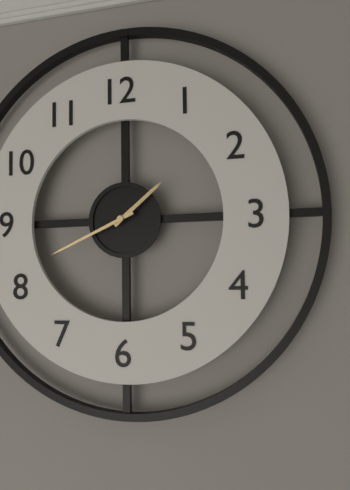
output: 1.41
